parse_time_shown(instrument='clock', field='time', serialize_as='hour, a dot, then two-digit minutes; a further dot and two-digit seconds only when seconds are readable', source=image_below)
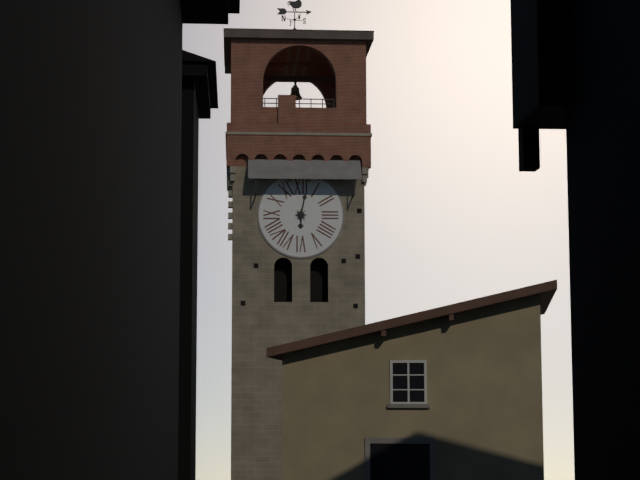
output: 6.02
